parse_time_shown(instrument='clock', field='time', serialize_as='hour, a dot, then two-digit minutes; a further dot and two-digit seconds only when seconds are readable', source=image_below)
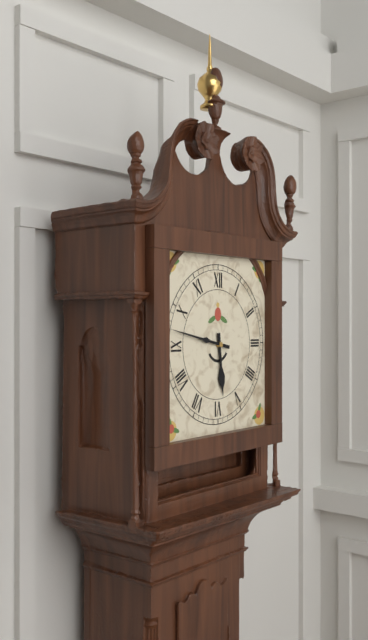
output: 5.47
